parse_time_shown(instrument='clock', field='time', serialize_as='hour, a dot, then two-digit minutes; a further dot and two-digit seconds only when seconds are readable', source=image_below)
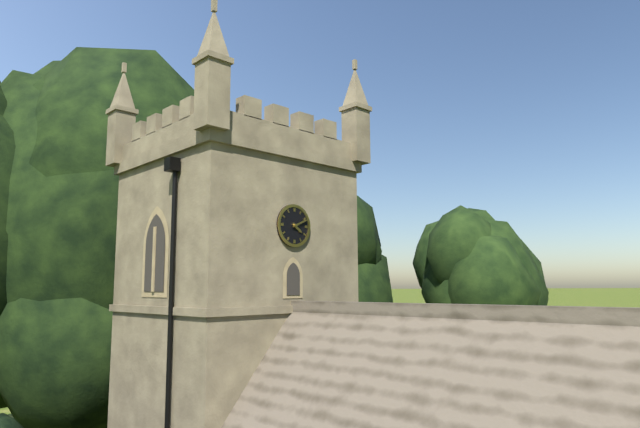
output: 4.11
